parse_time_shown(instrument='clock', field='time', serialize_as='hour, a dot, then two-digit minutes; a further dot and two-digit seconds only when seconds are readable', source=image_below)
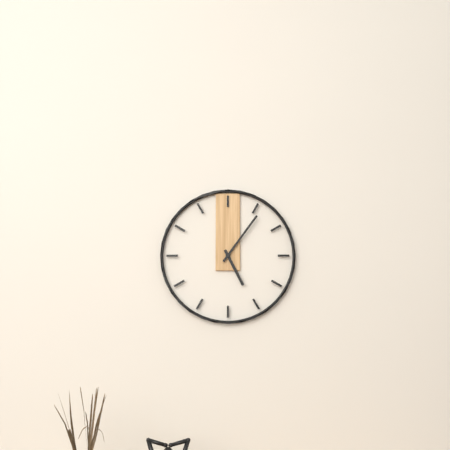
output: 5.06
